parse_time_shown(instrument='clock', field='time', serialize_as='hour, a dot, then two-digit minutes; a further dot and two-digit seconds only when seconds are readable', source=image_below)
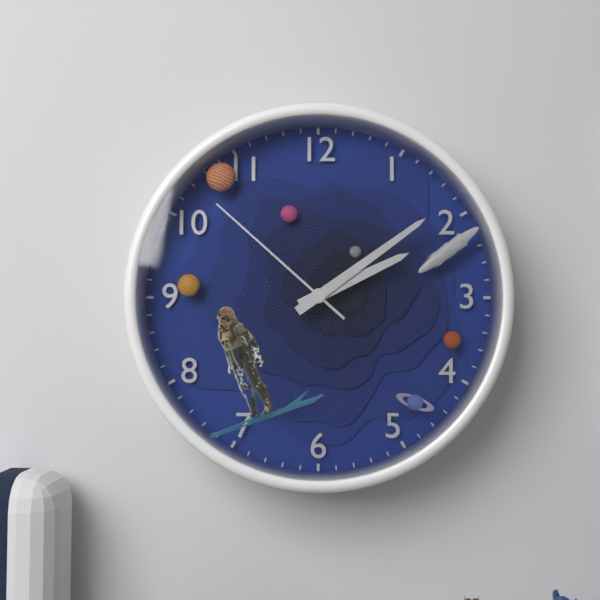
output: 2.09.52
